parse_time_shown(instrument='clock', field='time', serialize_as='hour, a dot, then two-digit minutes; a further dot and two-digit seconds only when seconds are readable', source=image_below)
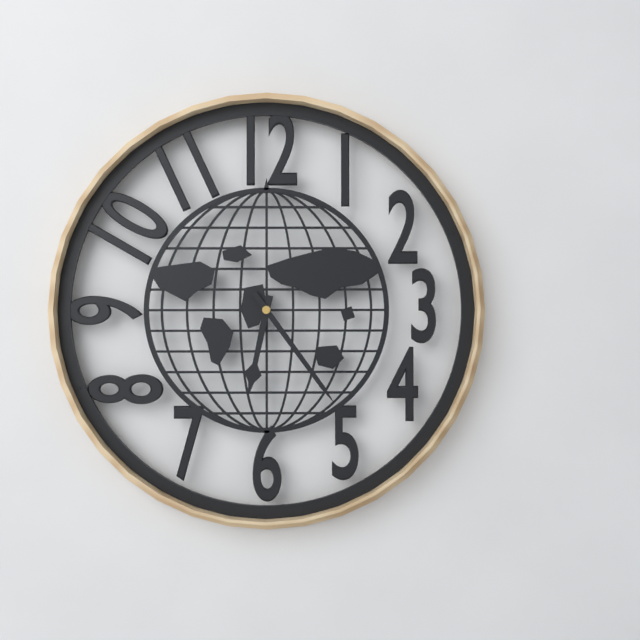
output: 6.24
